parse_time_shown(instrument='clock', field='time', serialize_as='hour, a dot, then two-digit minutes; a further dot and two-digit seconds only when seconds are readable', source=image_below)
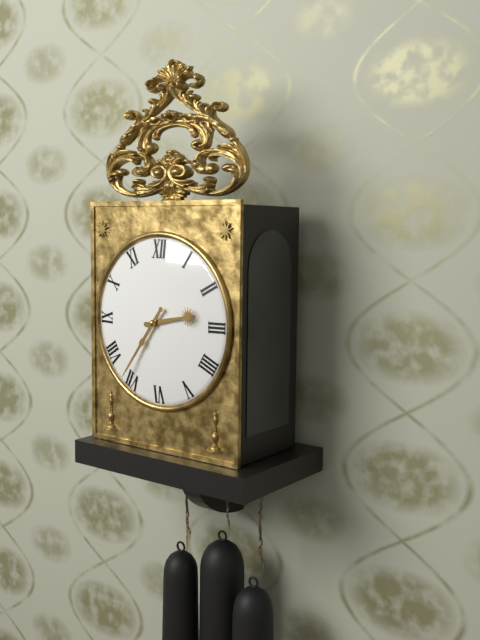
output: 2.36
